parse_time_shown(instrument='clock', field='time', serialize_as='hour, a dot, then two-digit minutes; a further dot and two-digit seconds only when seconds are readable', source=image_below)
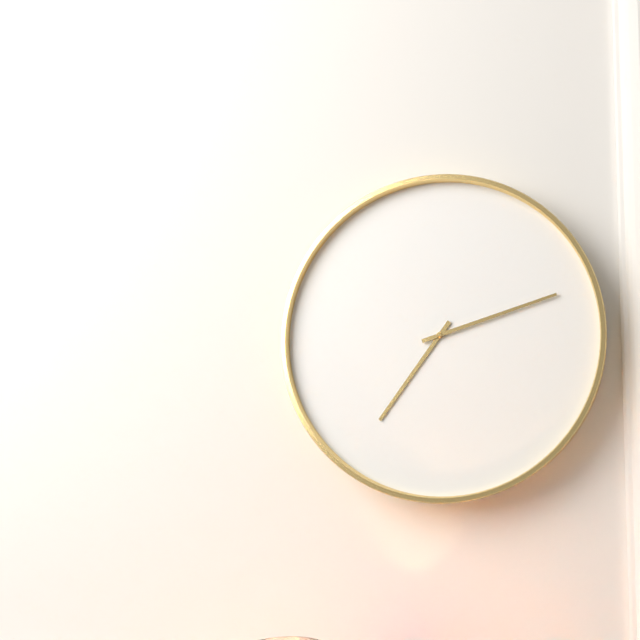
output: 7.12
